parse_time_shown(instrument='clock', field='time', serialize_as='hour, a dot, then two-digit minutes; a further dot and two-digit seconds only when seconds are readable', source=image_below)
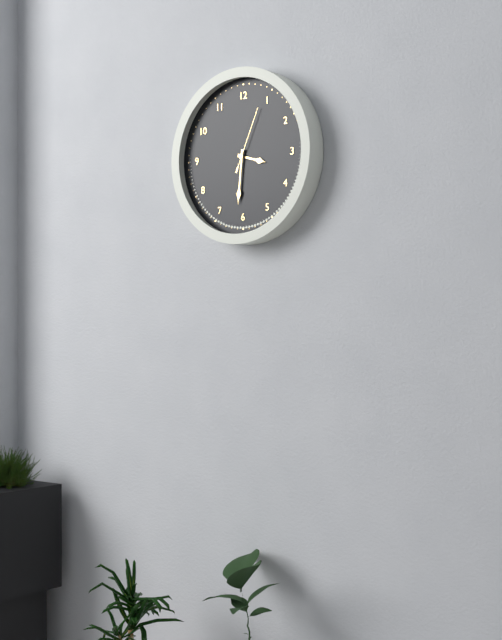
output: 3.31.04
